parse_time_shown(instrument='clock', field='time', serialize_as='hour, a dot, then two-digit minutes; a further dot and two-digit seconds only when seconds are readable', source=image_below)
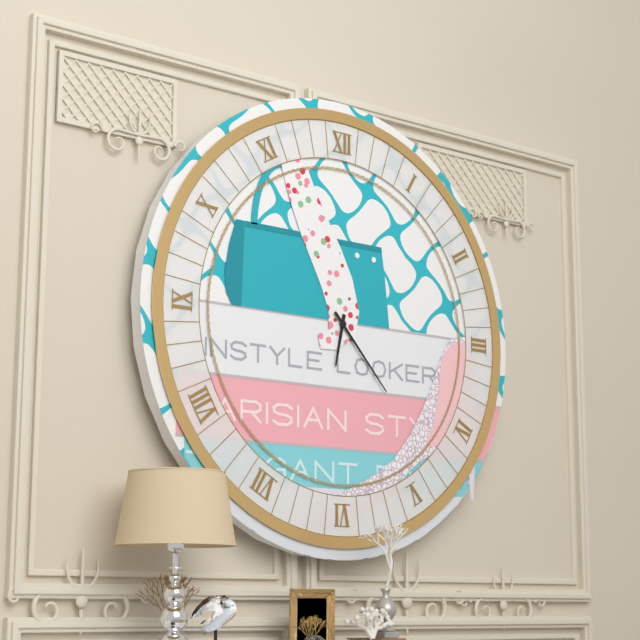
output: 6.23
